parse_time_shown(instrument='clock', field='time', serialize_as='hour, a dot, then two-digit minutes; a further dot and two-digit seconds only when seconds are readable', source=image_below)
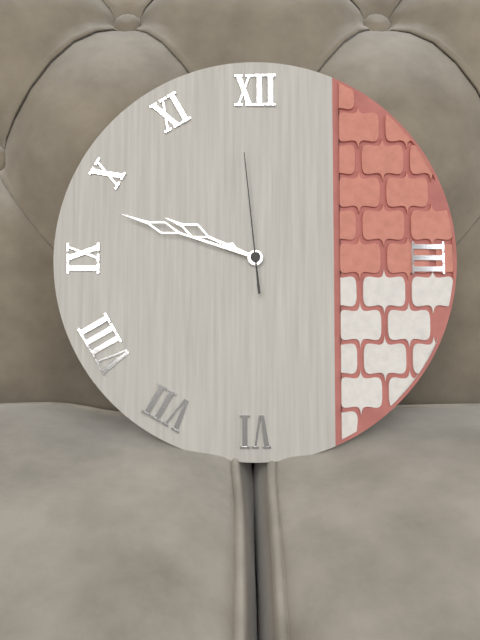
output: 9.48.59
